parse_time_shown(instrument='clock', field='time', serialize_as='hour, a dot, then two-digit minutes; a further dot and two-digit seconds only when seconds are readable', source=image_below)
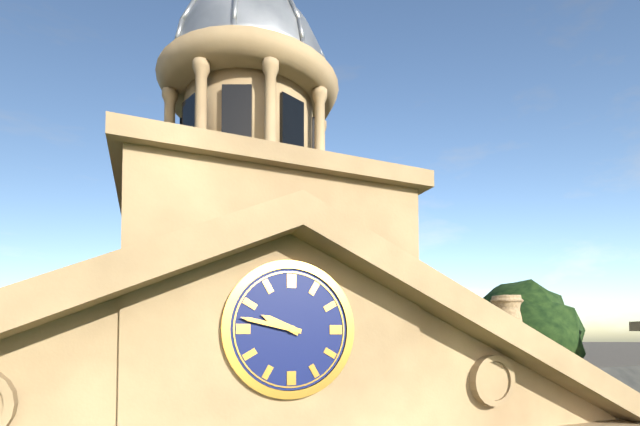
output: 9.47
